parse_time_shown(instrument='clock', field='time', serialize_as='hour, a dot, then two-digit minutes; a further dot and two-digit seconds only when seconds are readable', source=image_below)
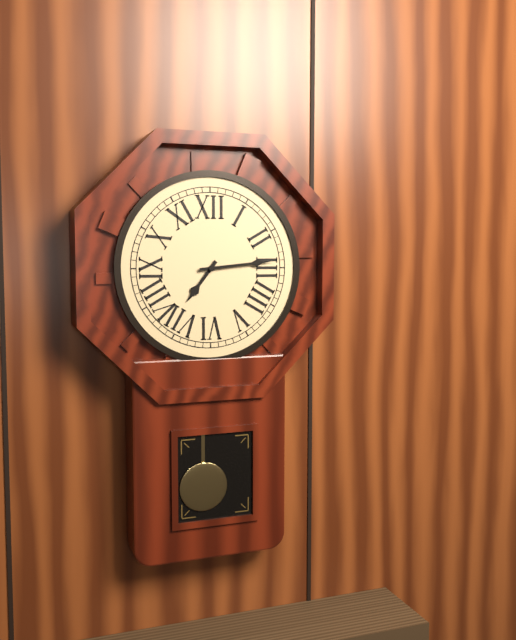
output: 7.14
